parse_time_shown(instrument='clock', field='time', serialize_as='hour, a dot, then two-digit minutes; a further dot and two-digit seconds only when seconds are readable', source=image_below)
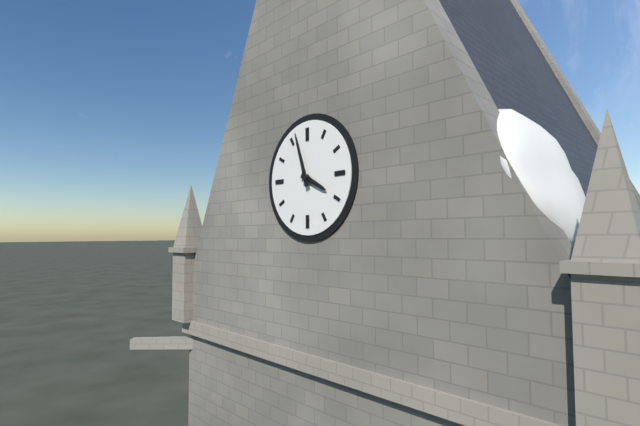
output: 3.57
